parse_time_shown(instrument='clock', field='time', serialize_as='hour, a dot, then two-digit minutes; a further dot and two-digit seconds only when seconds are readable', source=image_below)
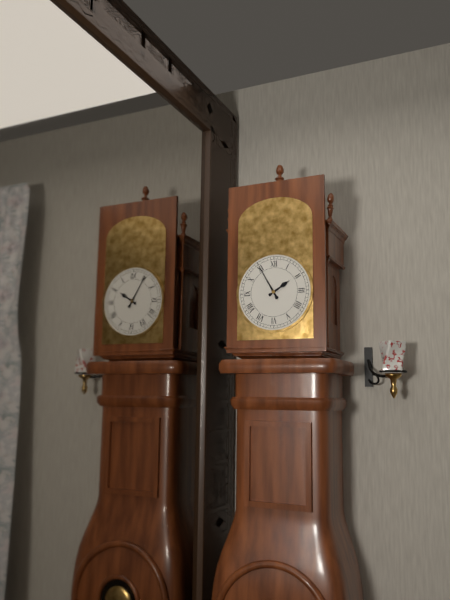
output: 1.55
